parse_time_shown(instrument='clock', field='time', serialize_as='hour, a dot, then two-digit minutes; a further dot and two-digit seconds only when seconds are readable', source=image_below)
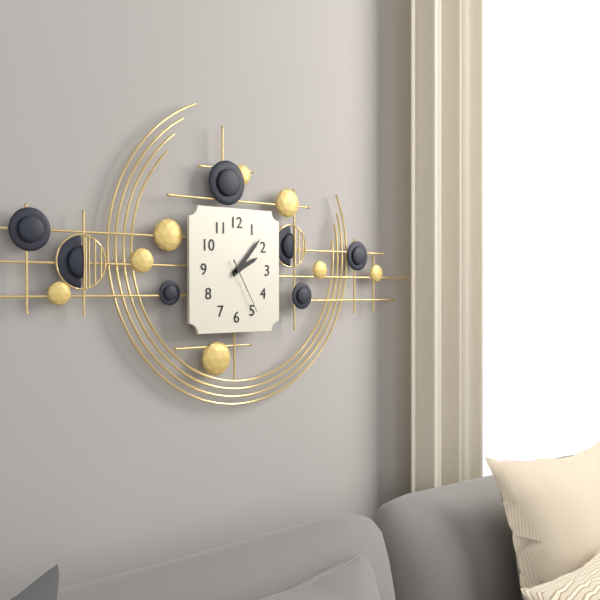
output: 2.07.25
